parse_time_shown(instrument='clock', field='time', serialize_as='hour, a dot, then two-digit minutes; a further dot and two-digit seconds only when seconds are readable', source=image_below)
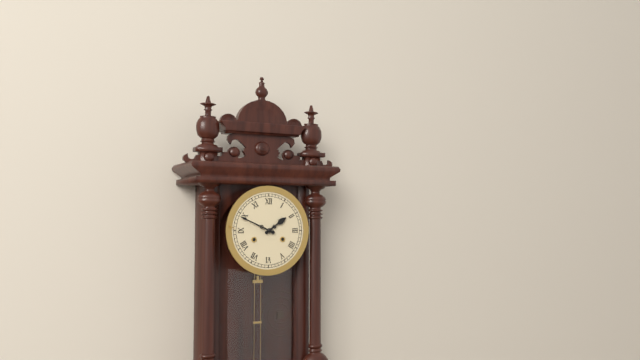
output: 1.49
